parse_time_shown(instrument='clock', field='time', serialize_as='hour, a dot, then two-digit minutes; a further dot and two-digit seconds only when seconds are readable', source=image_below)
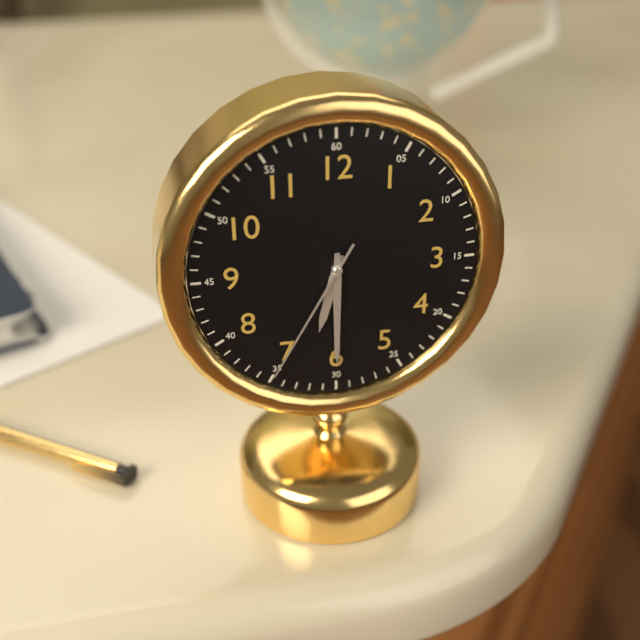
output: 6.30.35
